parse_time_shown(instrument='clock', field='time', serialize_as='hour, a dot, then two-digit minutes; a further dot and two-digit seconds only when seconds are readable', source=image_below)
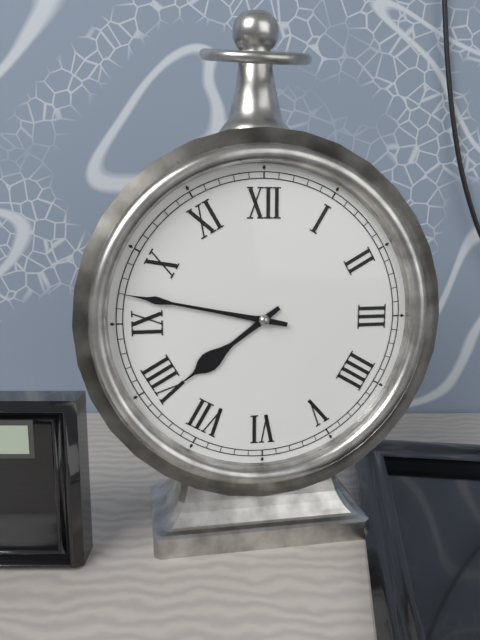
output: 7.47
